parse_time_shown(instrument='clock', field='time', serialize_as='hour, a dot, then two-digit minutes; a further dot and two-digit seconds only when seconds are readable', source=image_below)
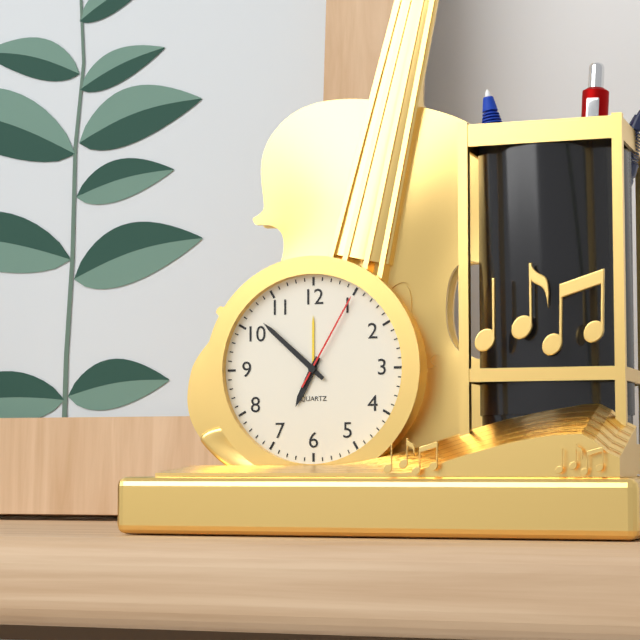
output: 6.52.05
